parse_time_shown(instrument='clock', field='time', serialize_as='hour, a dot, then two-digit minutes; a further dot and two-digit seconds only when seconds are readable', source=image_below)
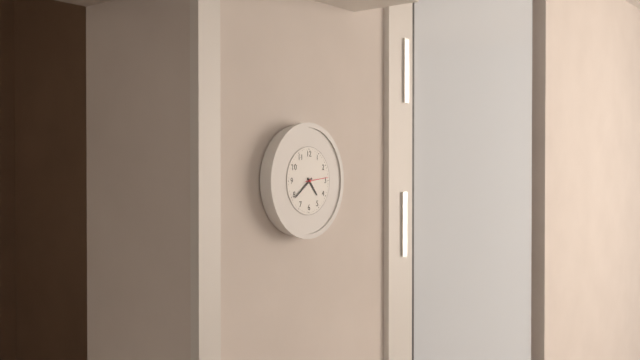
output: 4.39
